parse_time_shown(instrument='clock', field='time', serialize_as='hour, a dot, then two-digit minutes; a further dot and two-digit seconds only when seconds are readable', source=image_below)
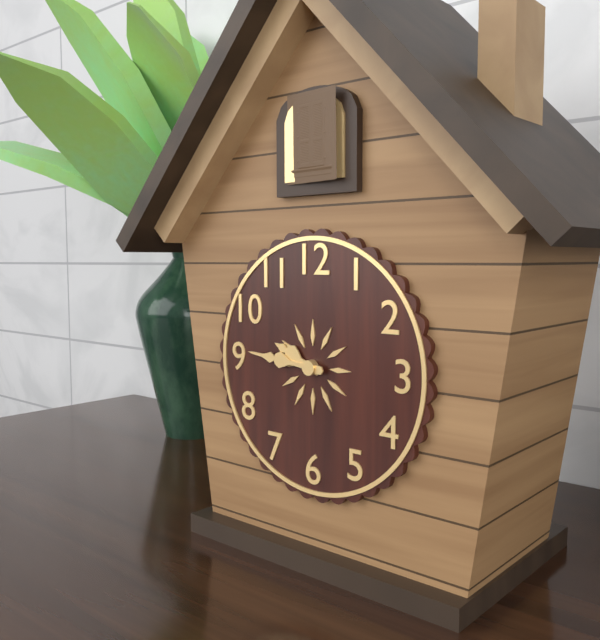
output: 9.46
